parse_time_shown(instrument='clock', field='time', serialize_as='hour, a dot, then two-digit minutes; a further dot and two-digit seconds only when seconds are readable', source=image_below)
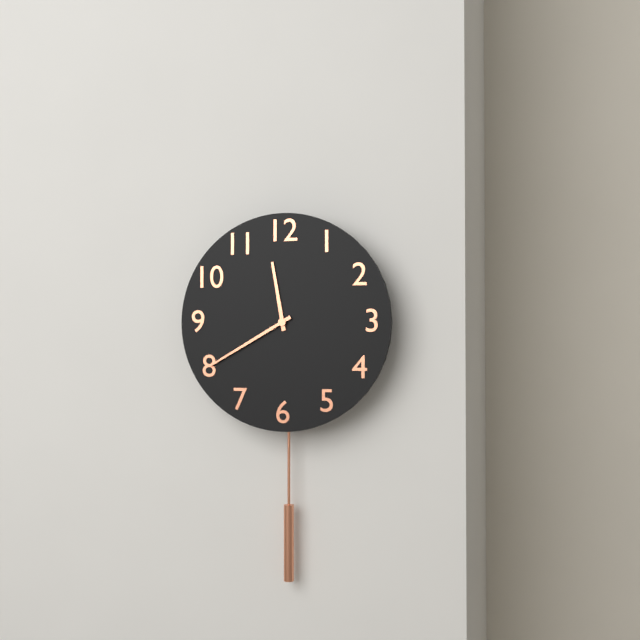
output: 11.40
